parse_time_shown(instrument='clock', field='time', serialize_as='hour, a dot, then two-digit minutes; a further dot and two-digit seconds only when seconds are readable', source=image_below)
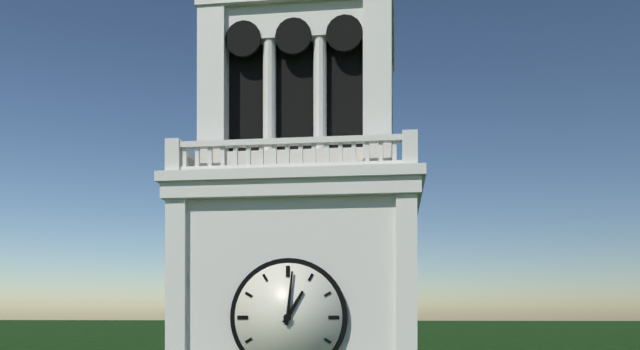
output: 1.01
